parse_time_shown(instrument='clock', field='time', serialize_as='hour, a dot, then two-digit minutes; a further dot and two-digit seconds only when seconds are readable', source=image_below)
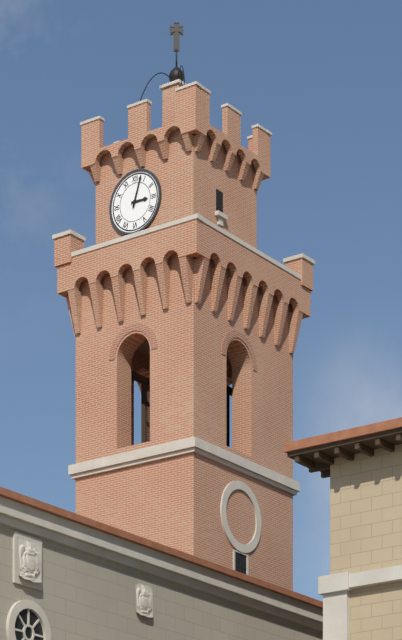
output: 3.03
